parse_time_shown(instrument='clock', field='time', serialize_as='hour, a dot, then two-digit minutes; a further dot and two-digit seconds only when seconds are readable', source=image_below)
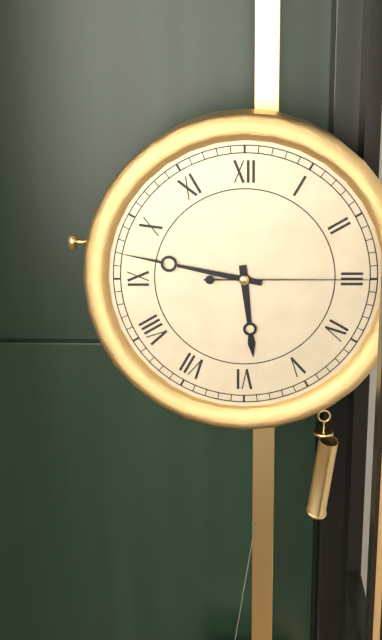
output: 5.47.15
